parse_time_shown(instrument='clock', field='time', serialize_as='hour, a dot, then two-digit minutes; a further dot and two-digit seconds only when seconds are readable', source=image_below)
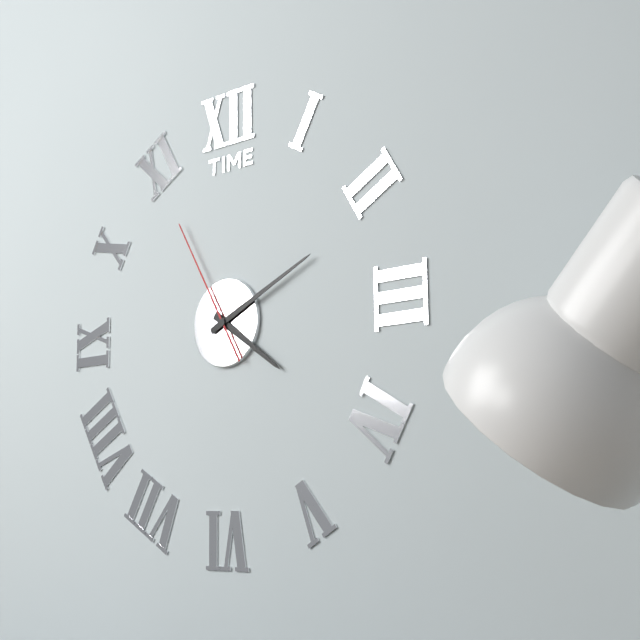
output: 4.11.55
